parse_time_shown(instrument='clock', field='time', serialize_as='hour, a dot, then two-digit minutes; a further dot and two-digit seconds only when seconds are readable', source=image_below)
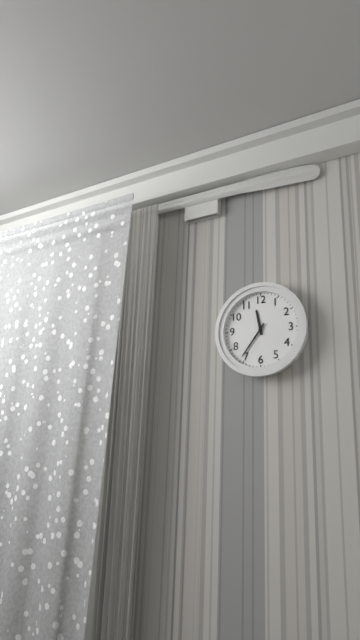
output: 11.36
